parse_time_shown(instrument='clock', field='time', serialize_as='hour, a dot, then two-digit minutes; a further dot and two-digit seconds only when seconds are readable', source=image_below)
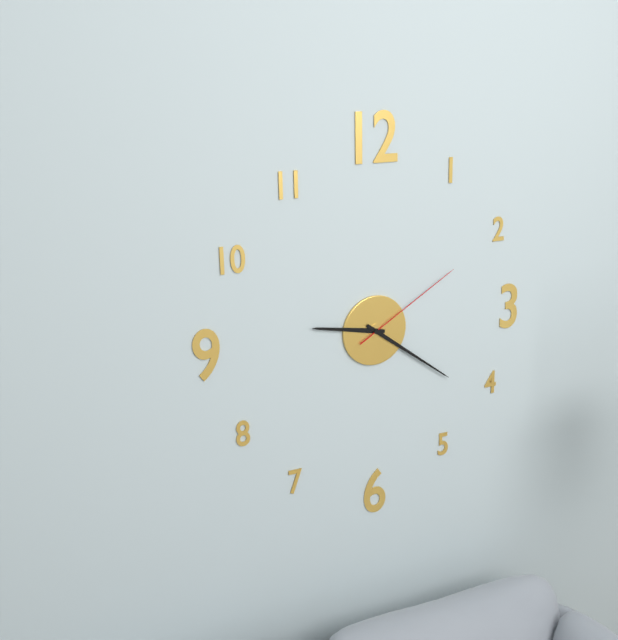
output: 9.21.10
